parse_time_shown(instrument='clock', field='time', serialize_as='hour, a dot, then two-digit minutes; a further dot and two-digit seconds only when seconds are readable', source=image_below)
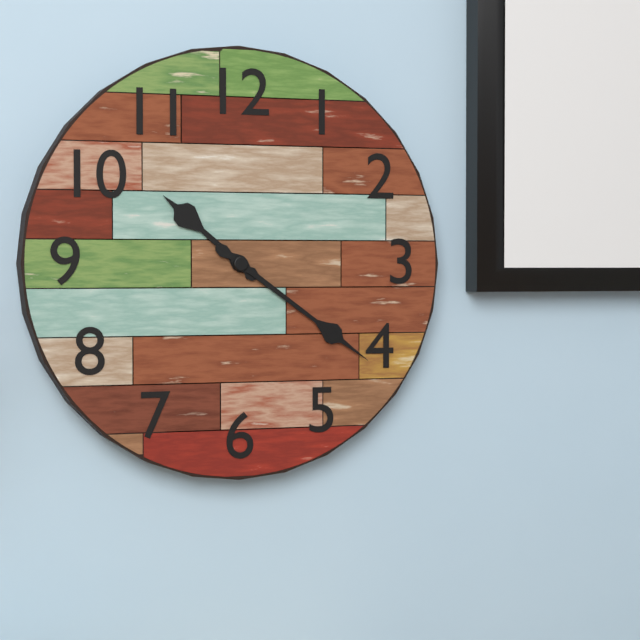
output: 10.21
